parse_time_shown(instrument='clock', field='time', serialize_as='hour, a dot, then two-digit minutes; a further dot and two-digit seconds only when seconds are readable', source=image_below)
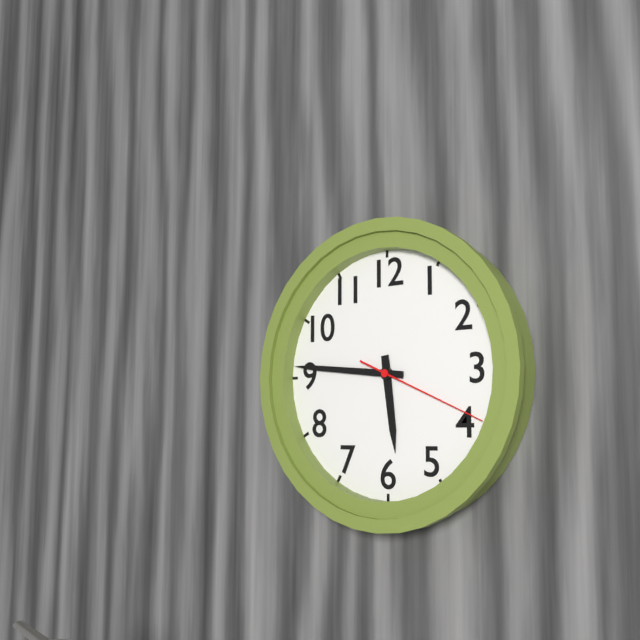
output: 5.46.19
